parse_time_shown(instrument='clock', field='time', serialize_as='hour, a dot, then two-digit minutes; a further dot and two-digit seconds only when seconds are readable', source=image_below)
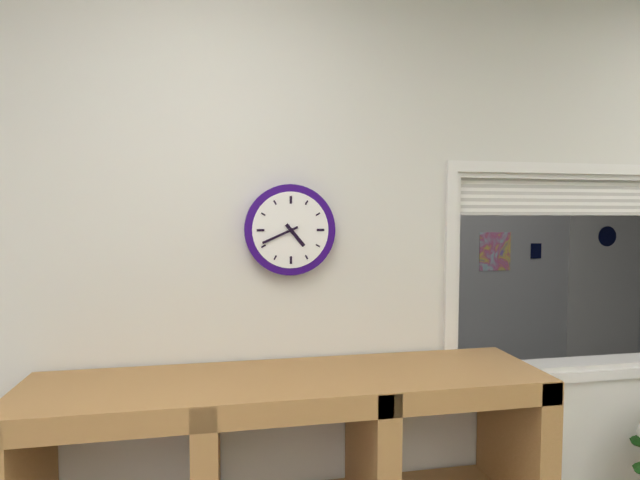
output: 4.41
